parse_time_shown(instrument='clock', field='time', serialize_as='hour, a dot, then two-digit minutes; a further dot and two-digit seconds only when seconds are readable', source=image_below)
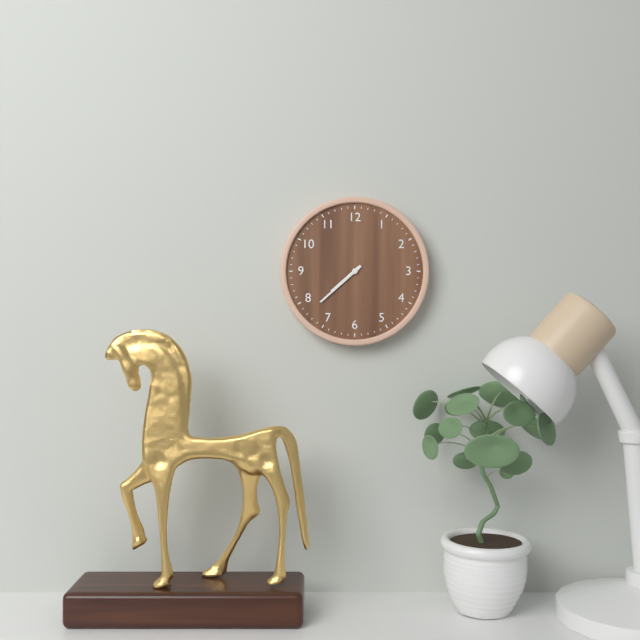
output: 7.38
